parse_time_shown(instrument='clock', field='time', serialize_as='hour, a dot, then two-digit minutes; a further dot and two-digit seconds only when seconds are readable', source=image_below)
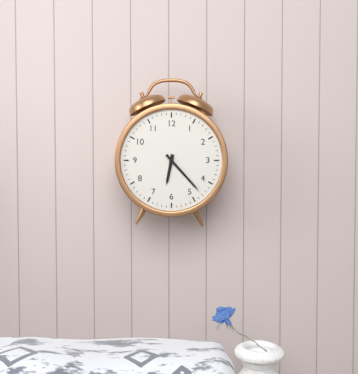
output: 6.23
